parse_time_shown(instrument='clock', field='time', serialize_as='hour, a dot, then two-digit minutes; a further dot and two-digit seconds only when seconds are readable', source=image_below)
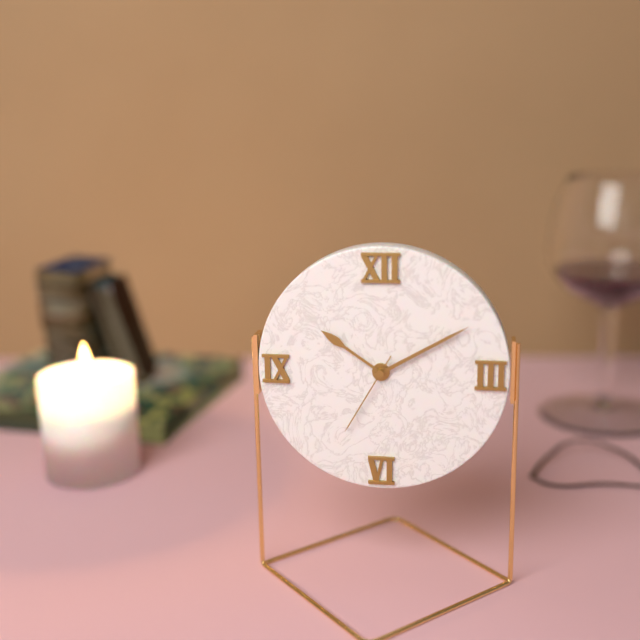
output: 10.10.35
